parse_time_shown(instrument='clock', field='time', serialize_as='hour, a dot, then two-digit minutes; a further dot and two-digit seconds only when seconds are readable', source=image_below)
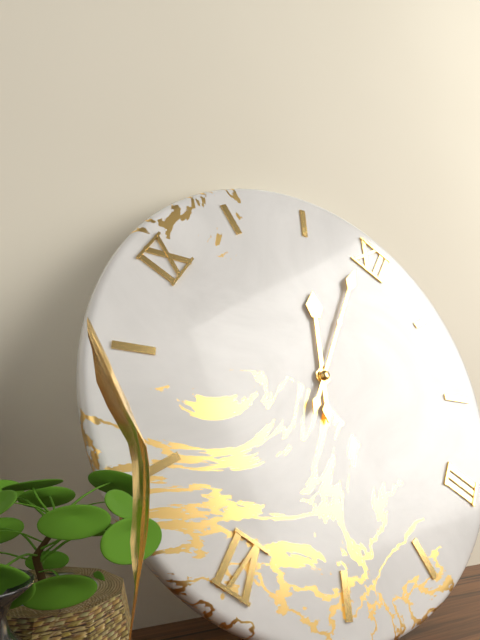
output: 10.59
